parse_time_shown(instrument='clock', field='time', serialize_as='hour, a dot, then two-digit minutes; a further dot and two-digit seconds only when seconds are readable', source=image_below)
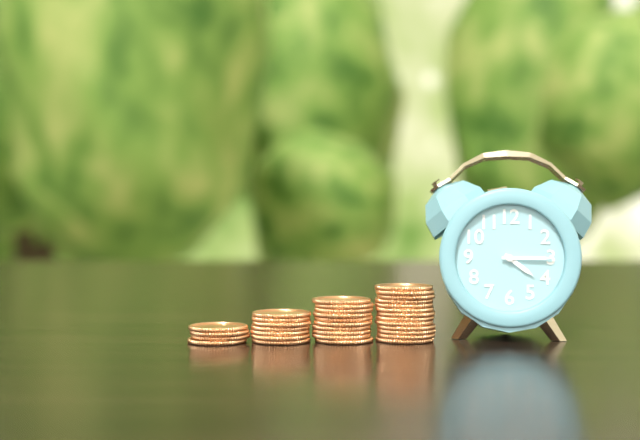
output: 4.15
